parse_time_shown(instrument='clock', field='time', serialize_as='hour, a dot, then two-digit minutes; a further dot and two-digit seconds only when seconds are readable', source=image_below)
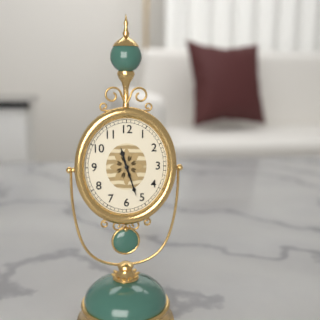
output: 11.27
